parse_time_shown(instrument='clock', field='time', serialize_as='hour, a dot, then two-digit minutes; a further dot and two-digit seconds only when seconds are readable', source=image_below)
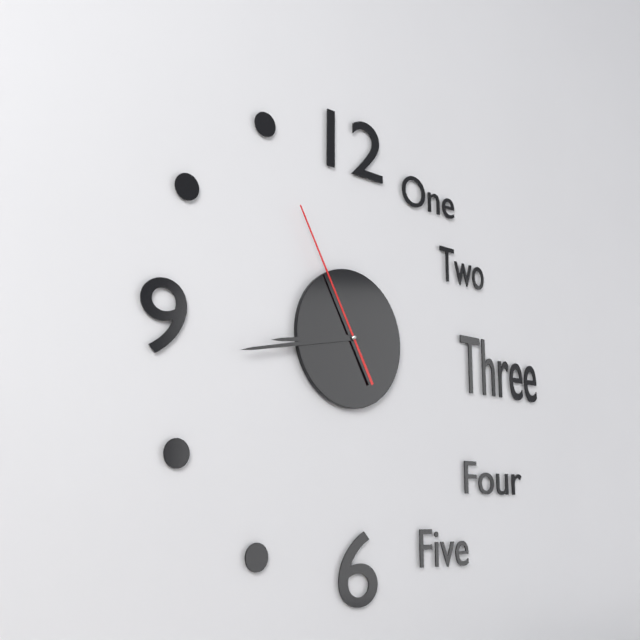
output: 8.43.55
